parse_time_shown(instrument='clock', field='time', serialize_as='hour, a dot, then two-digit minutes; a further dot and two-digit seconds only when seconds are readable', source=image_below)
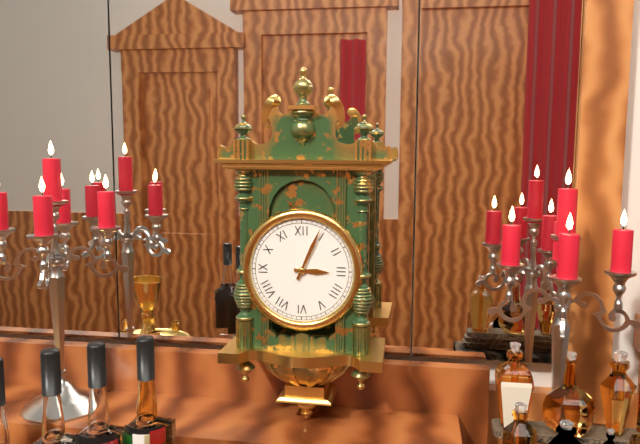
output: 3.04
